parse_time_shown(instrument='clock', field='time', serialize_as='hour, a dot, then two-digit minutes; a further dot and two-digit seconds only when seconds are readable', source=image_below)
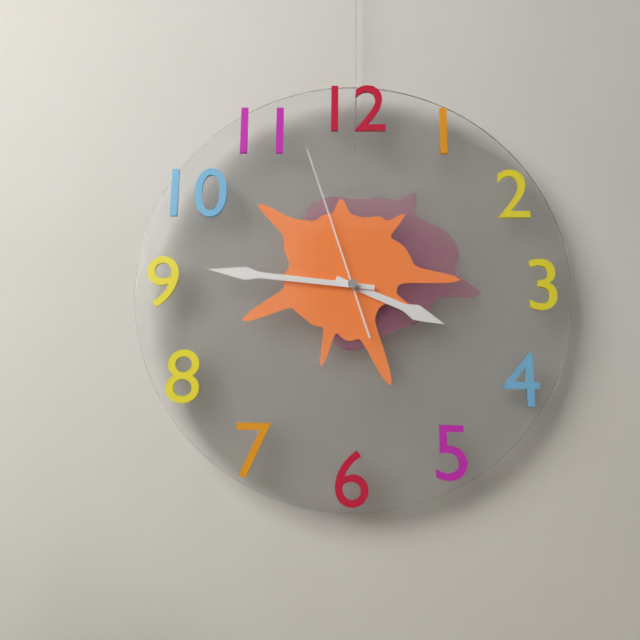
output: 3.46.57
